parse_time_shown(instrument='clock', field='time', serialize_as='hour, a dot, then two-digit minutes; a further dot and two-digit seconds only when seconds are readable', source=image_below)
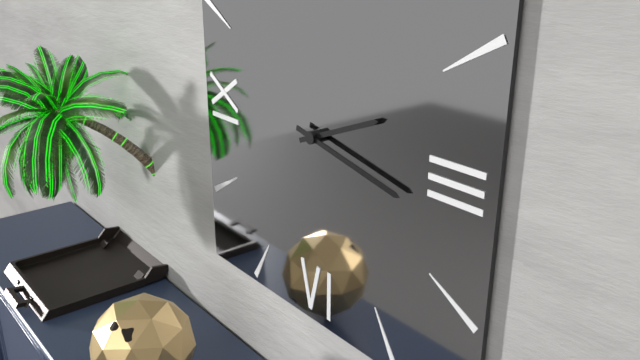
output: 2.17
